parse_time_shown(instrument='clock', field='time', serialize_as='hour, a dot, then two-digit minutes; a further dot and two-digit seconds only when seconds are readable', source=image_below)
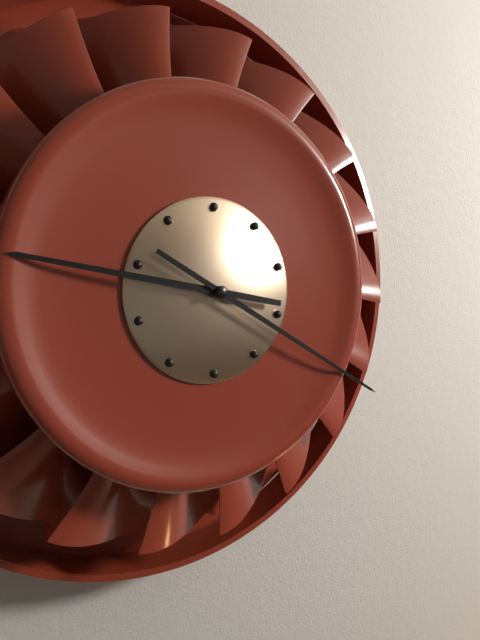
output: 9.20
